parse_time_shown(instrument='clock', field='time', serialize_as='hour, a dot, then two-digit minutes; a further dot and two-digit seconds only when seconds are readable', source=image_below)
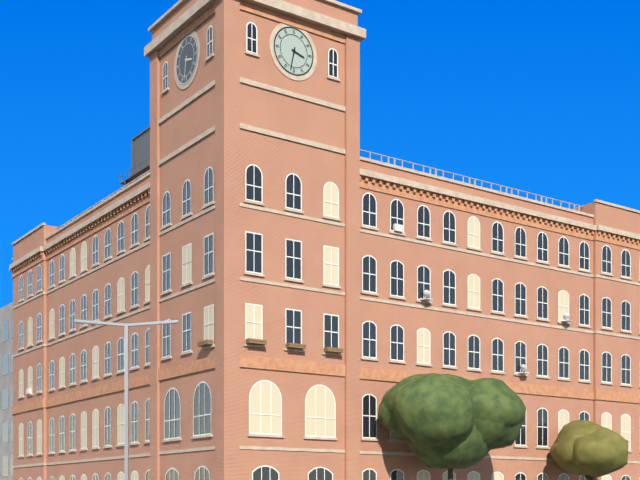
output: 3.32
